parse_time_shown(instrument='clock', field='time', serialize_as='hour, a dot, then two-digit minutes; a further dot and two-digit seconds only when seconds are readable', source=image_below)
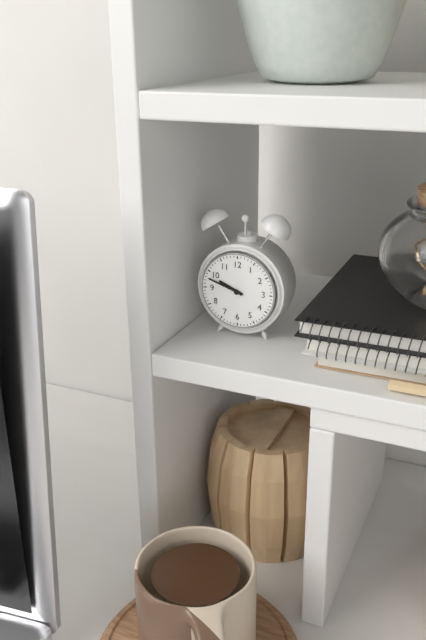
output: 9.48
